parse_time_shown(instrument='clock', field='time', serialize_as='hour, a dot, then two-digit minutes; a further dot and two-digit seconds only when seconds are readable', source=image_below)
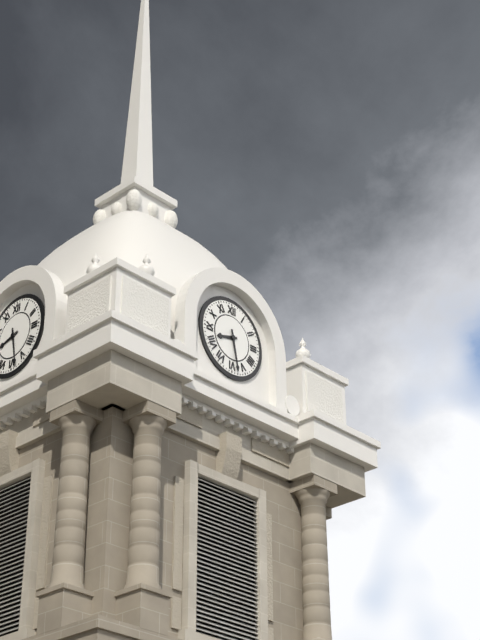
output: 8.28
